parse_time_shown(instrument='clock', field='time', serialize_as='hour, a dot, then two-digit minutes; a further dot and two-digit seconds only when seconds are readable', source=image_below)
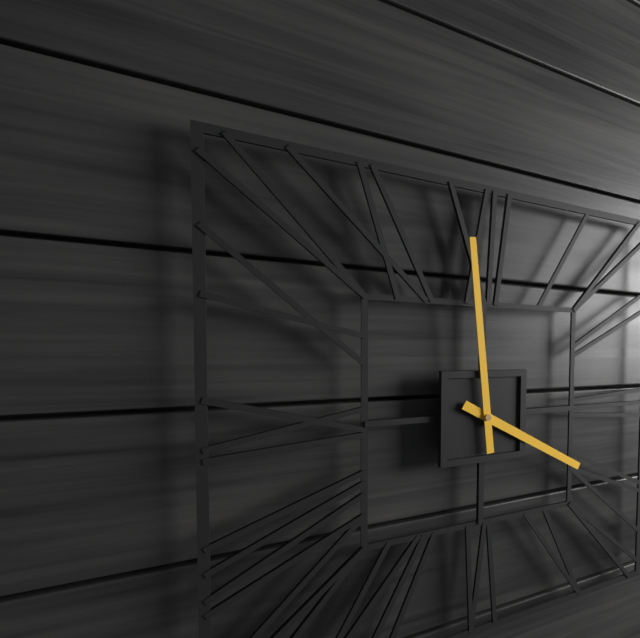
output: 3.59
